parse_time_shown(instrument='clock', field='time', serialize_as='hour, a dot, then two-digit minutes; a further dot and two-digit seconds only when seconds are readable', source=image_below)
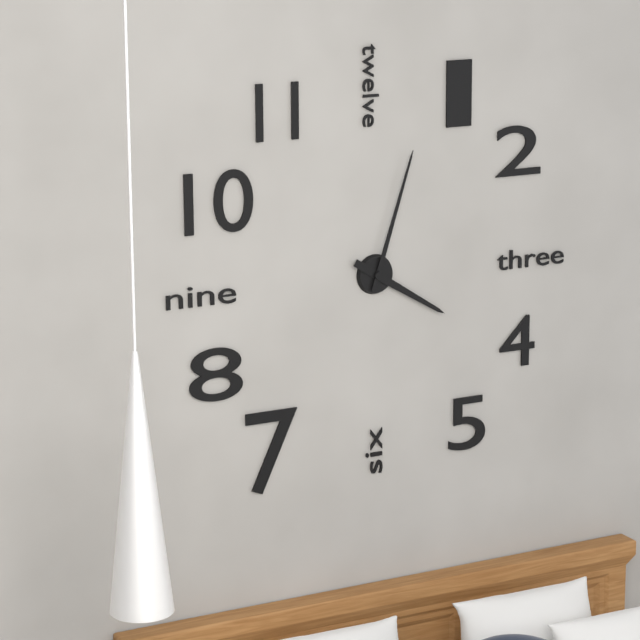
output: 4.03
